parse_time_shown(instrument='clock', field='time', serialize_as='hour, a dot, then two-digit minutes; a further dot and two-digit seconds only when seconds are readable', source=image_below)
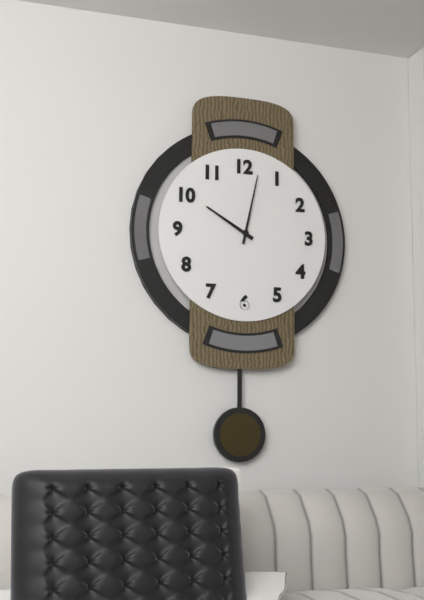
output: 10.02
